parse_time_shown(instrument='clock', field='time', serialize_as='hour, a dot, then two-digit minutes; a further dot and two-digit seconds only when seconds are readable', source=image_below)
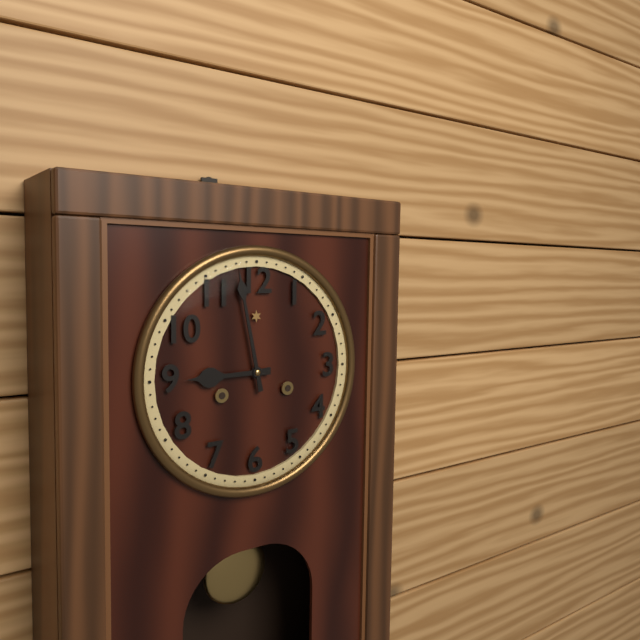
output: 8.58
